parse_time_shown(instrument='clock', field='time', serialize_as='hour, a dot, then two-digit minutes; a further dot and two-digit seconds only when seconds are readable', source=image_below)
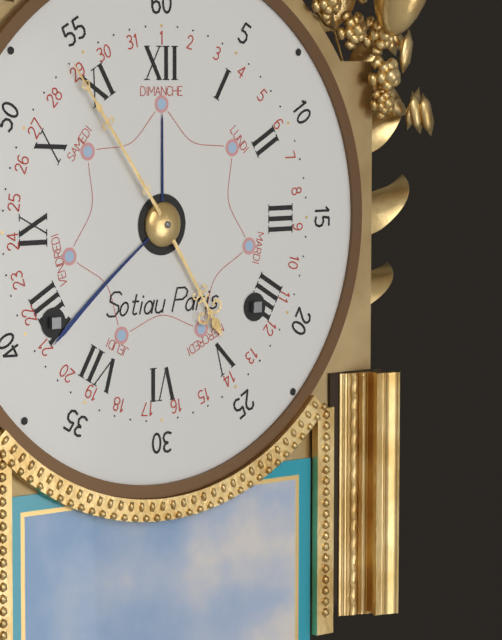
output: 4.54
